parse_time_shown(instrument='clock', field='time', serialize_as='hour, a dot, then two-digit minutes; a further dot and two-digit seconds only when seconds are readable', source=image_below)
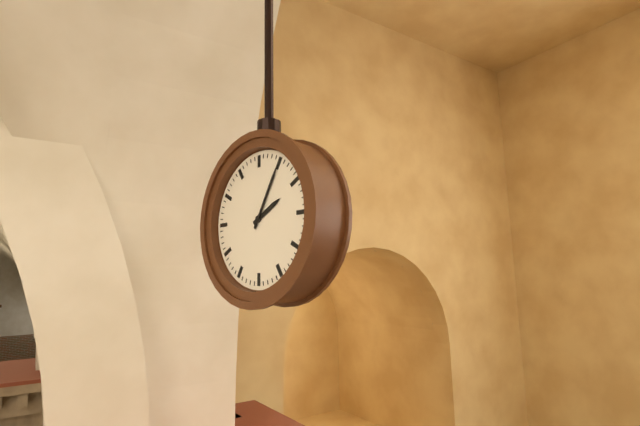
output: 2.05
